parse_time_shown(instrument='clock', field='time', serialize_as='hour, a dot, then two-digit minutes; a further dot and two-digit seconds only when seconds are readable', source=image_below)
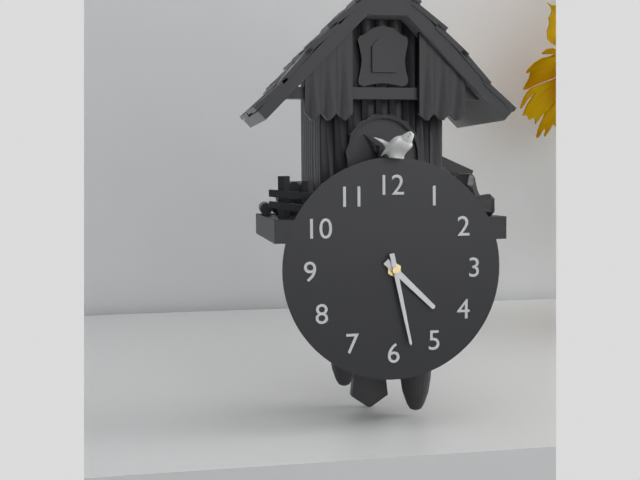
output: 4.28
